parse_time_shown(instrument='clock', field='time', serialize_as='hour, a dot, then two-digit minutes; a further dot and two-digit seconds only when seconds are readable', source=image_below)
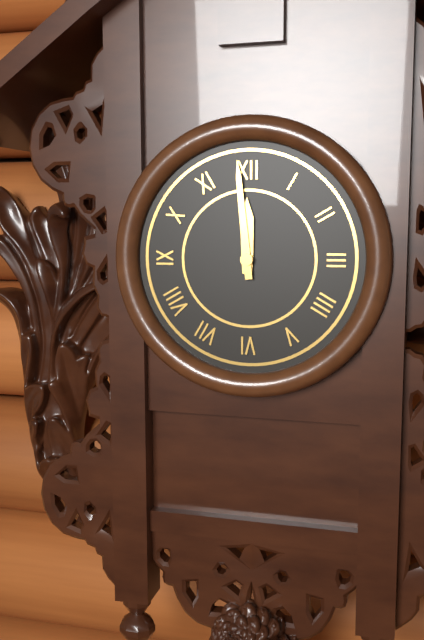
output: 11.59
